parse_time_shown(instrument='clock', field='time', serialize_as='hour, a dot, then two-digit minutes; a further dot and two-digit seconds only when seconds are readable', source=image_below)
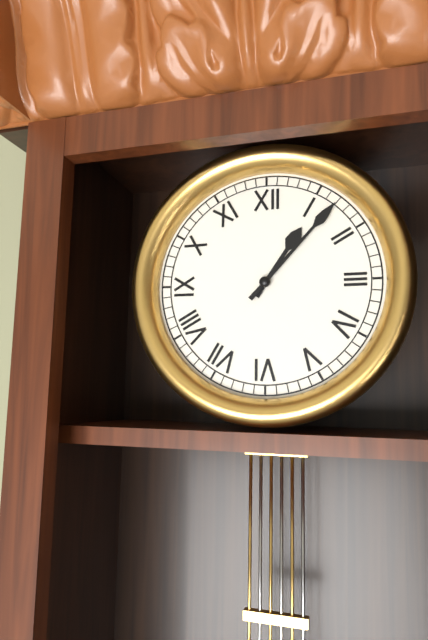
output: 1.07
